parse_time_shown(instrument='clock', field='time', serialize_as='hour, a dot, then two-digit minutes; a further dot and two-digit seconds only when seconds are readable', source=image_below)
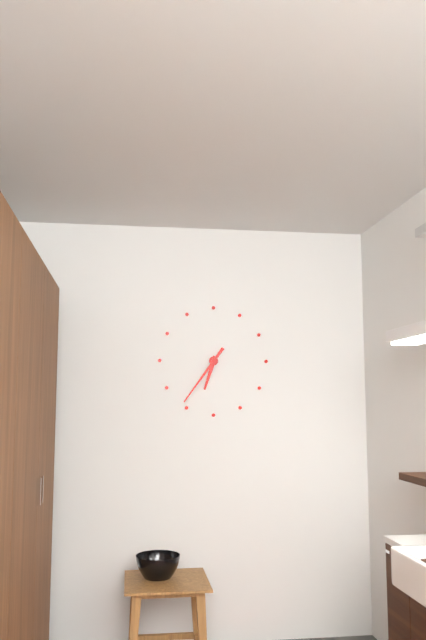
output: 6.36
